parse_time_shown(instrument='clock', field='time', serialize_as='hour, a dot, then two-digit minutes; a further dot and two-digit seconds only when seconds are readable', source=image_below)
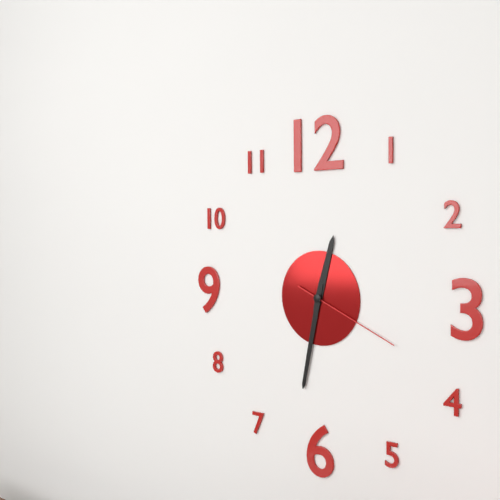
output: 12.32.19
